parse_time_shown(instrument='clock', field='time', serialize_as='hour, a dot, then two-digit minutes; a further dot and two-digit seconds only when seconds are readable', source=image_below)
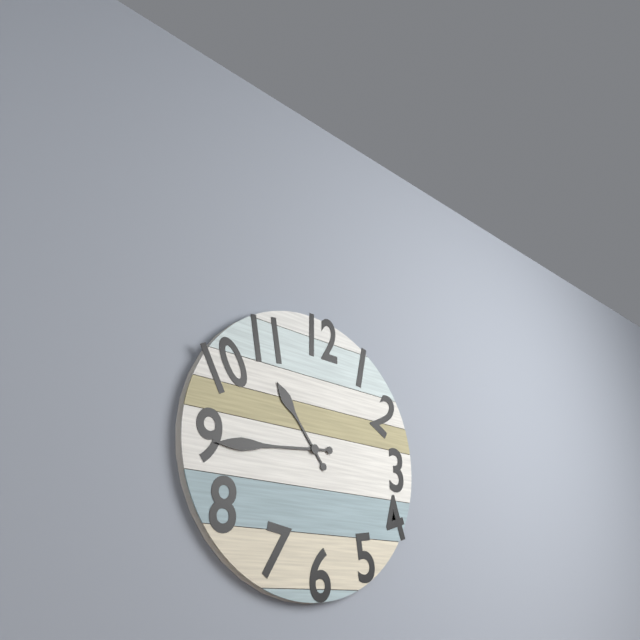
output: 10.44
